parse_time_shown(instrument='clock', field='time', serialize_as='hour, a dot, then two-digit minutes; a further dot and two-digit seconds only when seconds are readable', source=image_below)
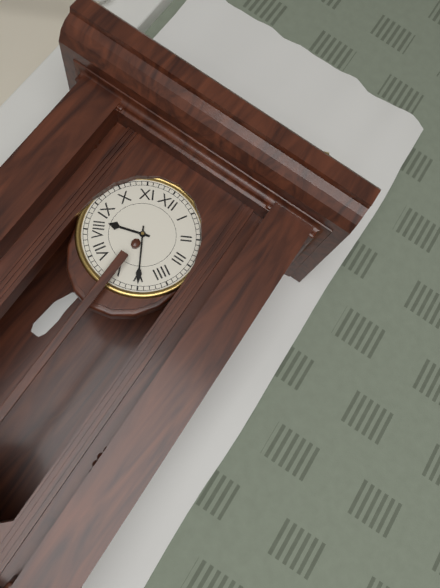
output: 8.25
